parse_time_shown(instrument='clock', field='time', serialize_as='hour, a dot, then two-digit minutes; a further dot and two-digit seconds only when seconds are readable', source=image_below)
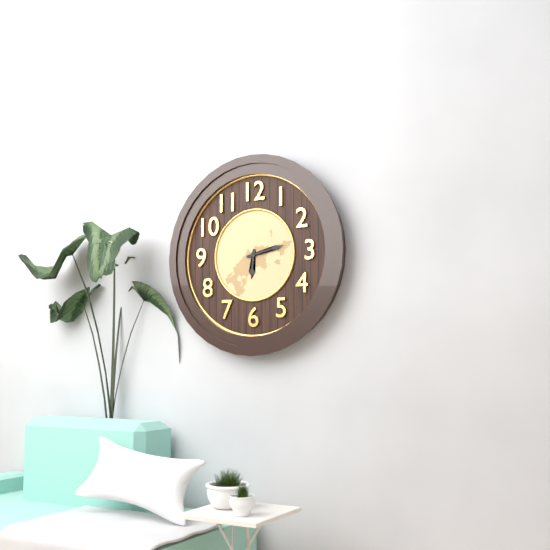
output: 6.13
